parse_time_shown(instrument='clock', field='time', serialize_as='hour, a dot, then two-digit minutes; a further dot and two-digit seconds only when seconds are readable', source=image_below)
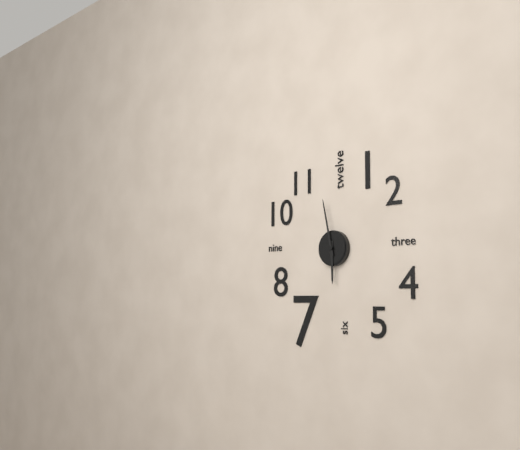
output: 5.58
